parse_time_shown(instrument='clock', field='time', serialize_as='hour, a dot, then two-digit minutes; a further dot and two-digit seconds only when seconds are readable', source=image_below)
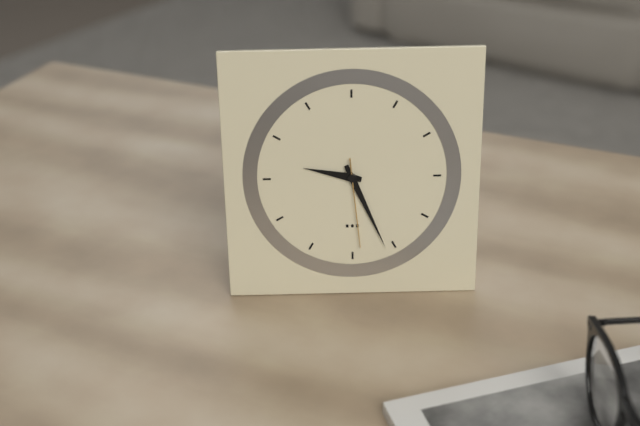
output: 9.26.29
